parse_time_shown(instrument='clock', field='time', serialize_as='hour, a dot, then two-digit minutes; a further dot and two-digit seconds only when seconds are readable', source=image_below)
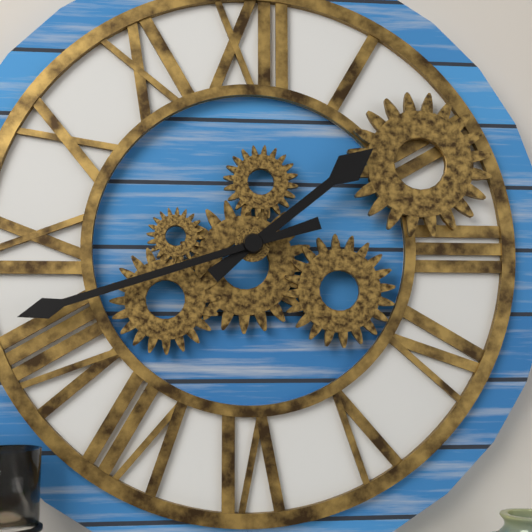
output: 1.42
